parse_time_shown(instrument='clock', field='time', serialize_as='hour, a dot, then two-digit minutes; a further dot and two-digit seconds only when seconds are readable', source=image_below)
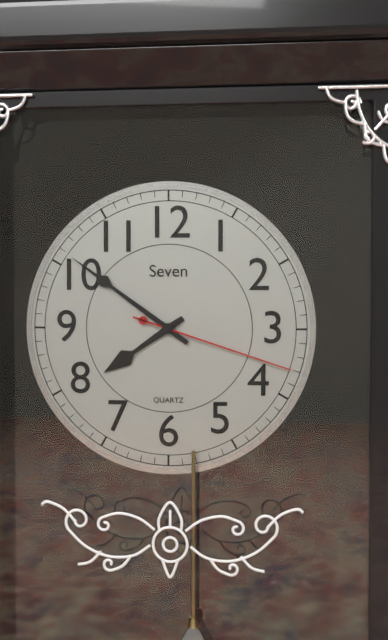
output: 7.51.18
